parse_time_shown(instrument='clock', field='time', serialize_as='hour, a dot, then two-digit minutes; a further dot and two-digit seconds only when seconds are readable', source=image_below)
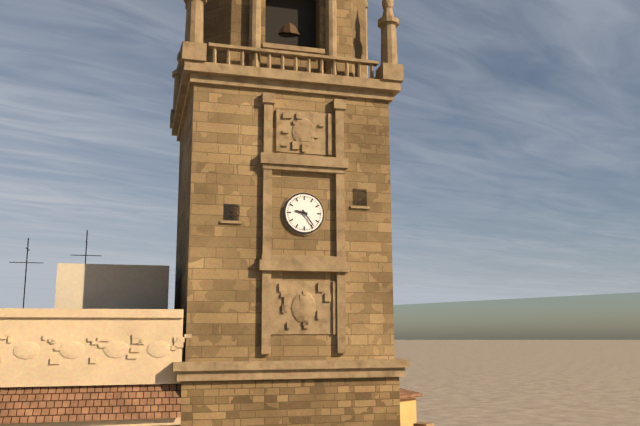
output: 9.24
